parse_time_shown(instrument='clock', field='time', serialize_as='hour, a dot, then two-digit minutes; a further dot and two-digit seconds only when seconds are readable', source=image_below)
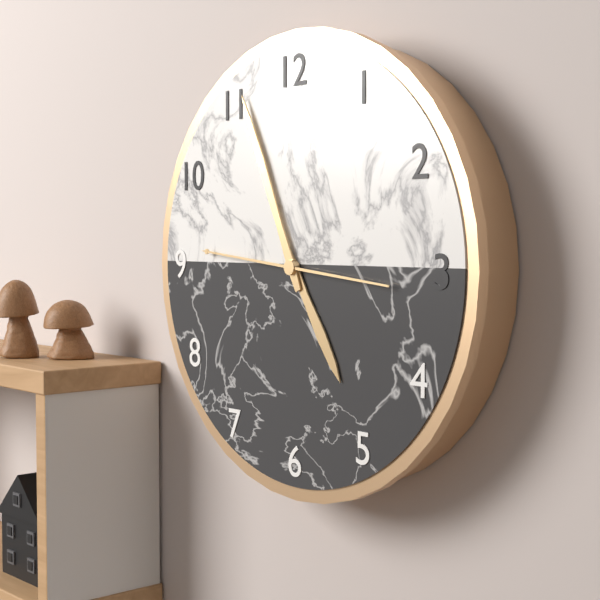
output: 4.56.46
